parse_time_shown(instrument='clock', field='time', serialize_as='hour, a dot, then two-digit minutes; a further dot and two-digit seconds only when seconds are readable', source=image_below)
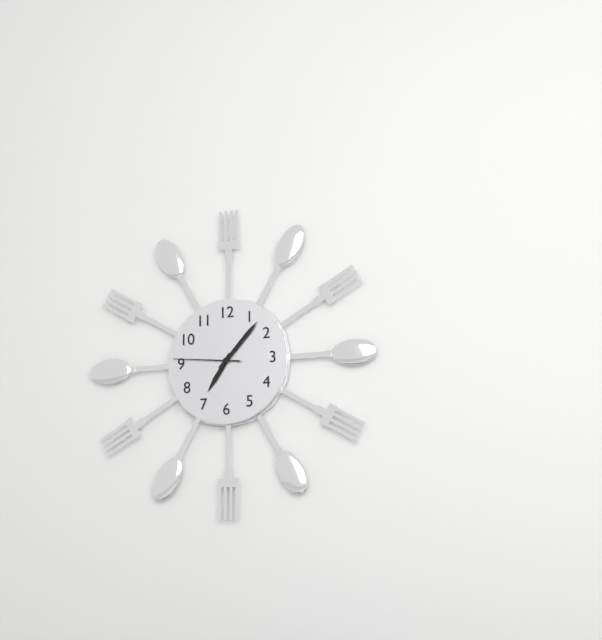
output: 7.07.46
